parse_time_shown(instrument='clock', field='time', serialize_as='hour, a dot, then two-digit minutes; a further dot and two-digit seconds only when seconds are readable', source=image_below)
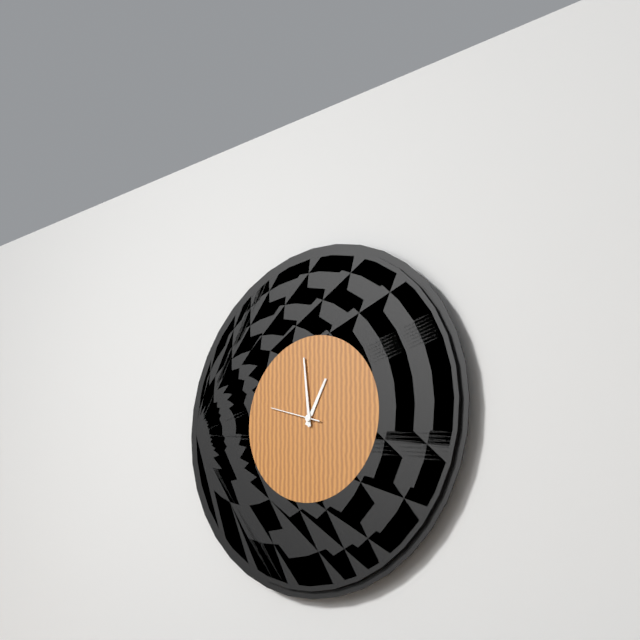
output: 12.59
